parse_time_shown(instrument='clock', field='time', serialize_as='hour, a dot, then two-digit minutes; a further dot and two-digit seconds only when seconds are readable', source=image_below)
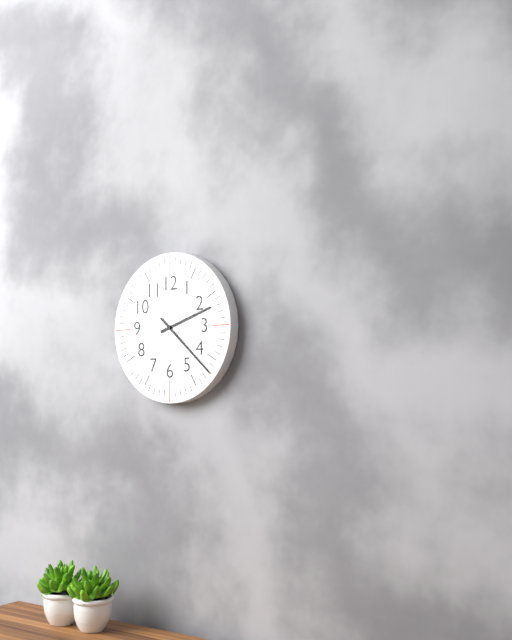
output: 2.22
